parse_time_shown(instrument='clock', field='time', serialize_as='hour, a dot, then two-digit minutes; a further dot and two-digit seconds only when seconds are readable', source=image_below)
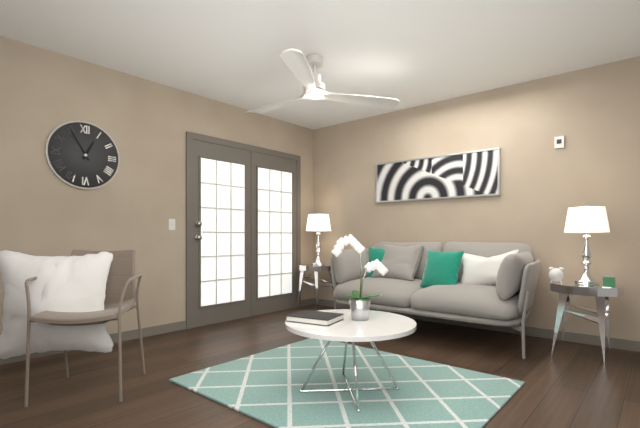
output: 12.55
